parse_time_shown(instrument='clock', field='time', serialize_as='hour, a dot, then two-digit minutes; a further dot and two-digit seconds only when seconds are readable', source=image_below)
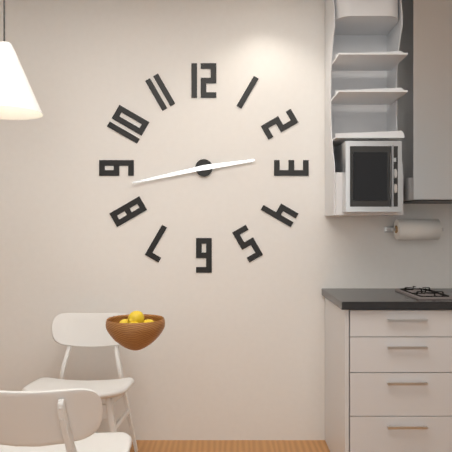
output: 2.43
